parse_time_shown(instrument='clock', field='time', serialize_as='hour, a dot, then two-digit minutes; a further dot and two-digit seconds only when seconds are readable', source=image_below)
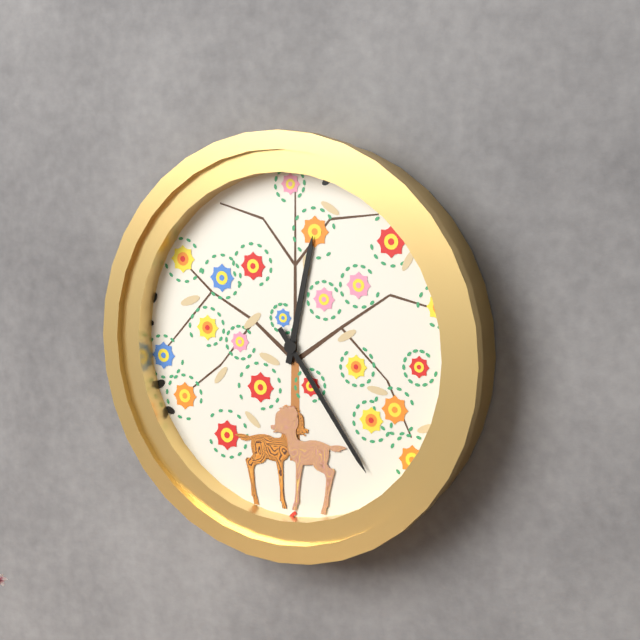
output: 12.24
